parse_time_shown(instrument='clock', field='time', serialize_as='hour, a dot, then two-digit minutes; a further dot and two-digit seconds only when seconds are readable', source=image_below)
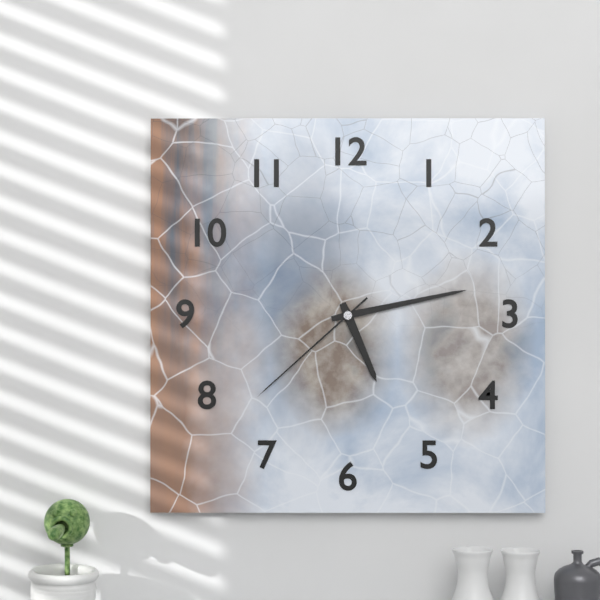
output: 5.13.38
